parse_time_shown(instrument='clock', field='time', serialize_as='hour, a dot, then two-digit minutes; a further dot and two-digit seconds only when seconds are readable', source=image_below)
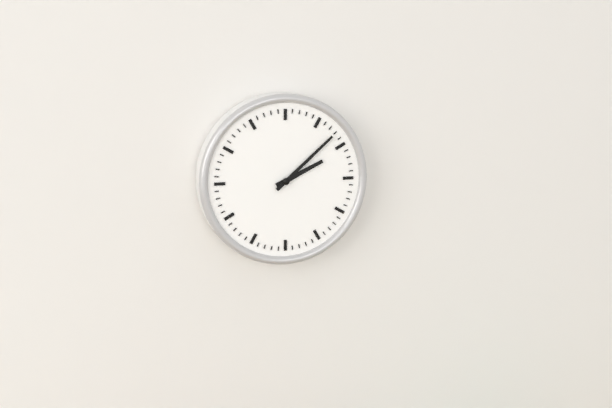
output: 2.08
